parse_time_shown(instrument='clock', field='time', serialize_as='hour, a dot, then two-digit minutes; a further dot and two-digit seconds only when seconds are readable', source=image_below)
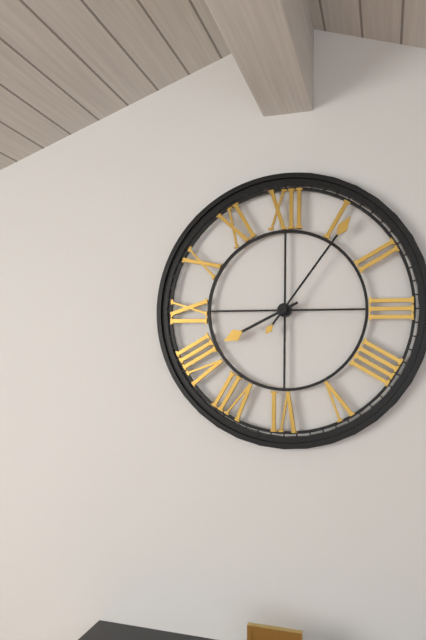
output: 8.06
